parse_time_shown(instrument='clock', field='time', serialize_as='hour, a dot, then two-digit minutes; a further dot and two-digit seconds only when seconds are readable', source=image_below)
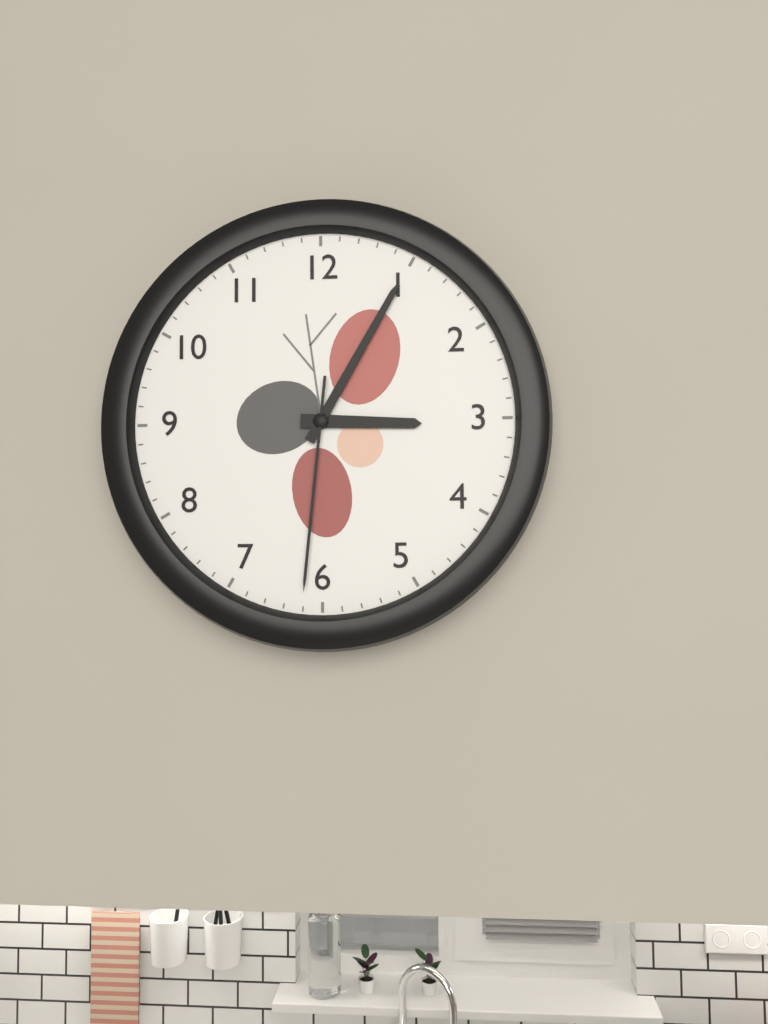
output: 3.05.31
